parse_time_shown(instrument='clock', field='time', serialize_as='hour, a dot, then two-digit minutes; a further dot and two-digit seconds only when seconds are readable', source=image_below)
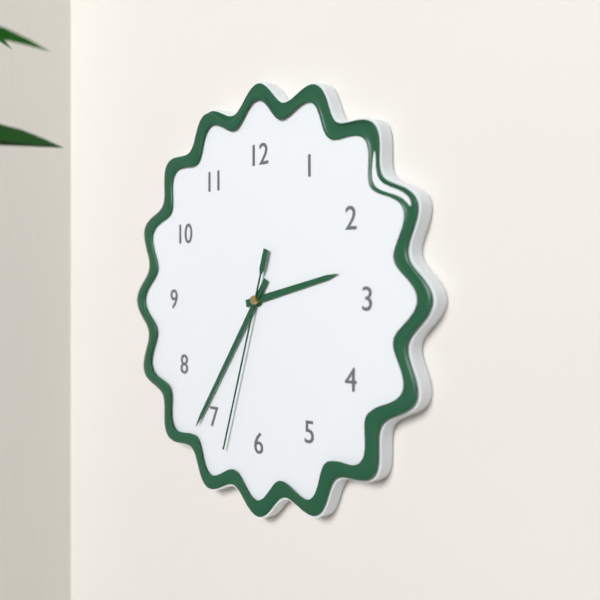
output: 2.36.33
